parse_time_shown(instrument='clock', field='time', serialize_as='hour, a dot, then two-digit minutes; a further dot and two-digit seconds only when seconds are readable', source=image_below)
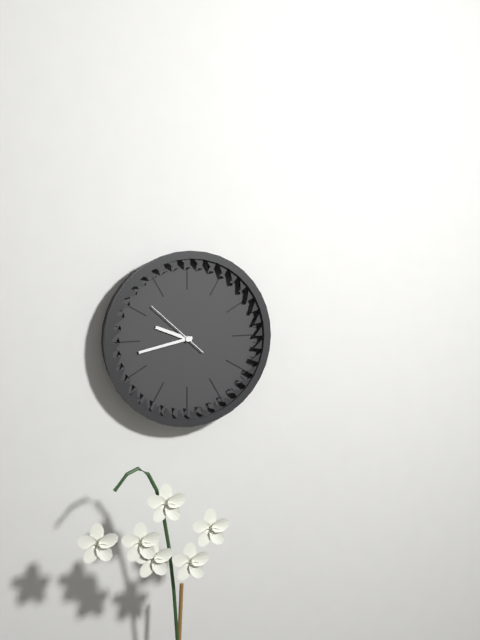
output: 9.43.52
